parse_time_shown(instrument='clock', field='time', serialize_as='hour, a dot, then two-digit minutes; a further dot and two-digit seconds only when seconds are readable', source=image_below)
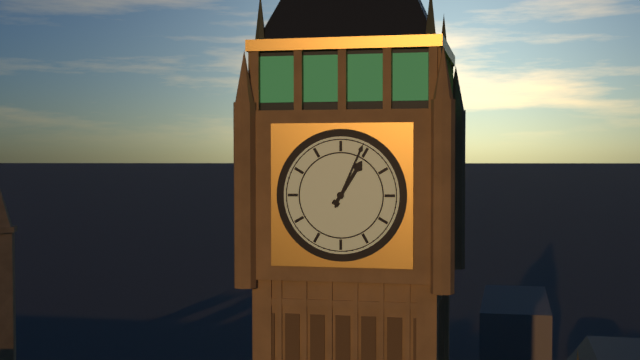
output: 1.04
